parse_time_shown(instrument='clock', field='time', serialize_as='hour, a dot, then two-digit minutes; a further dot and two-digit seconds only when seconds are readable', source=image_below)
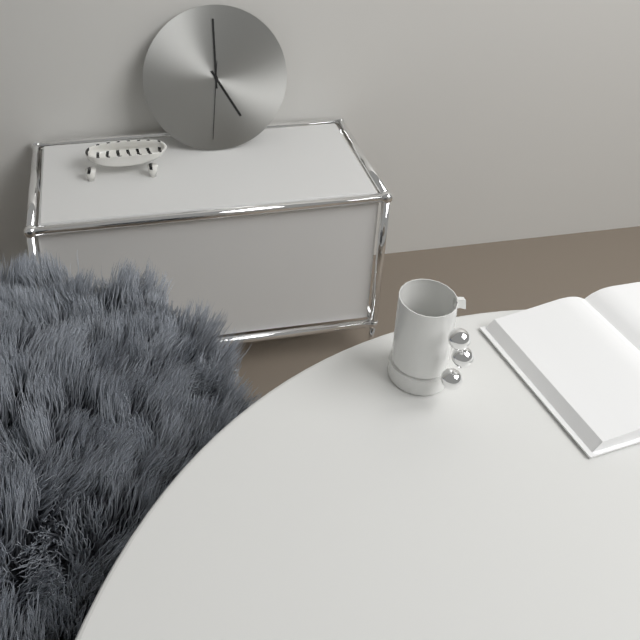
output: 5.00.31
